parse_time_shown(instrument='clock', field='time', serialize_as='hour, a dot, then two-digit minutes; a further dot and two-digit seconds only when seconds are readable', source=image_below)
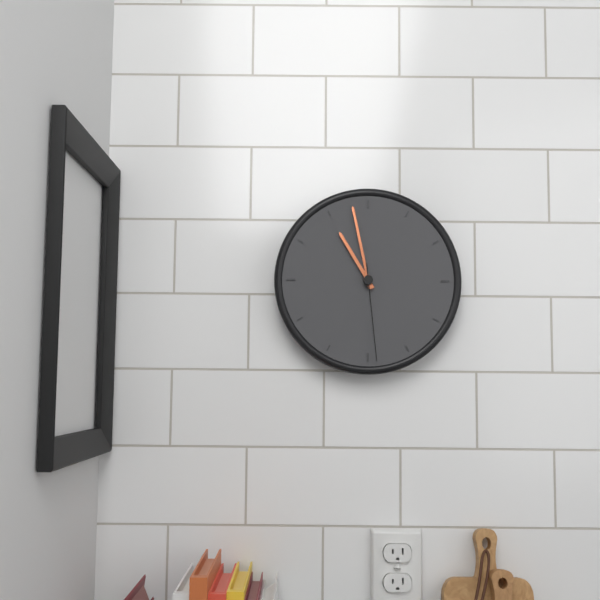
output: 10.58.29
